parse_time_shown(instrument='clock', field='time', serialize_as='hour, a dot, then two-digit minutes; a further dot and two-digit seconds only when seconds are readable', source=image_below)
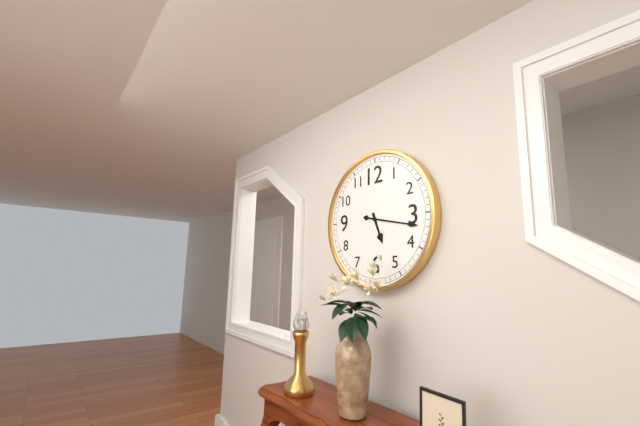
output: 5.17
